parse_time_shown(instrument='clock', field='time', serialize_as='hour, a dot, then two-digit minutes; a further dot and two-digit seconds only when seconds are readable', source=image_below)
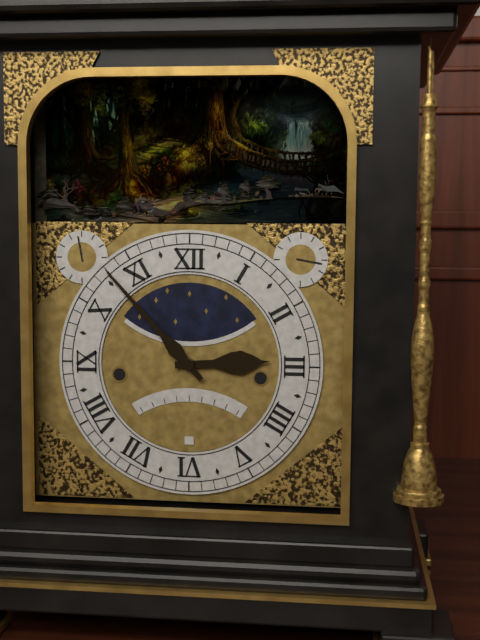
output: 2.53
